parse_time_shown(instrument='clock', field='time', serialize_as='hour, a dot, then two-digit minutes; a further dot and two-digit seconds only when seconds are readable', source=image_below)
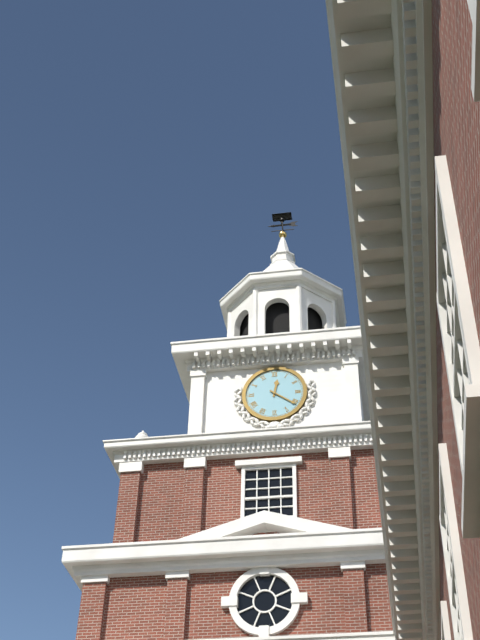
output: 12.21
